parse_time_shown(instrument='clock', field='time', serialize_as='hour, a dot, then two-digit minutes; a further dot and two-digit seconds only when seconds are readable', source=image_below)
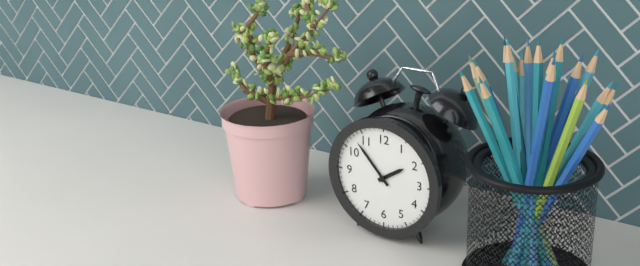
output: 1.53
